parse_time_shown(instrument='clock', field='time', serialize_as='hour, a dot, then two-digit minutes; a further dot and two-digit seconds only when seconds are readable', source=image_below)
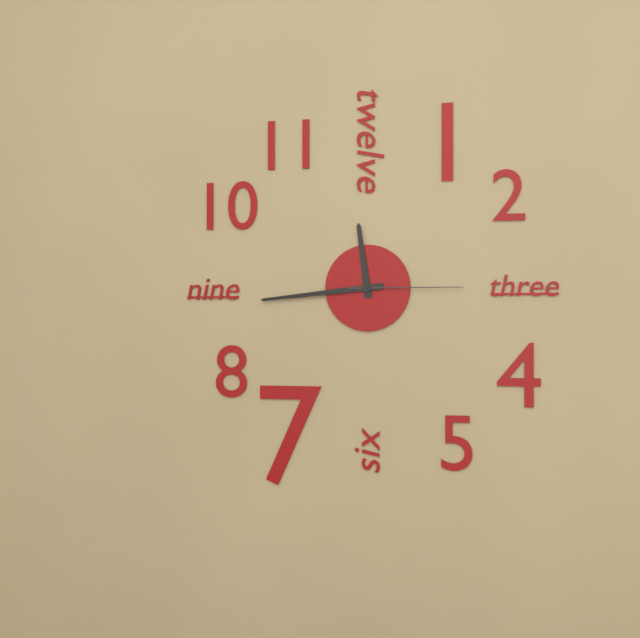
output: 11.44.15
